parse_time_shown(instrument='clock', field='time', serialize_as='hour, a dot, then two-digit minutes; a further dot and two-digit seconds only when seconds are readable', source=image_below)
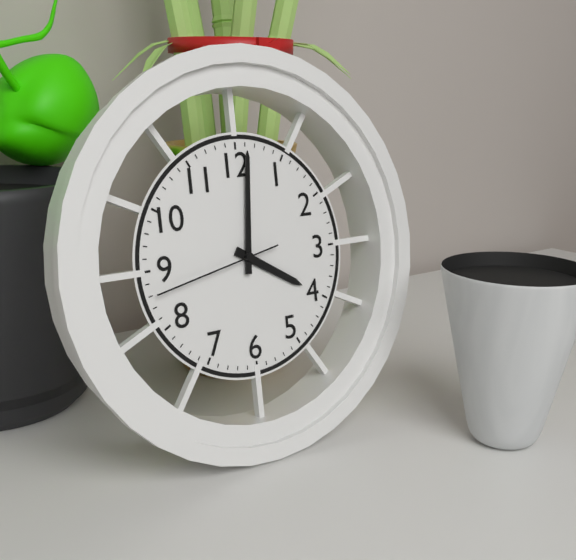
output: 4.01.43
